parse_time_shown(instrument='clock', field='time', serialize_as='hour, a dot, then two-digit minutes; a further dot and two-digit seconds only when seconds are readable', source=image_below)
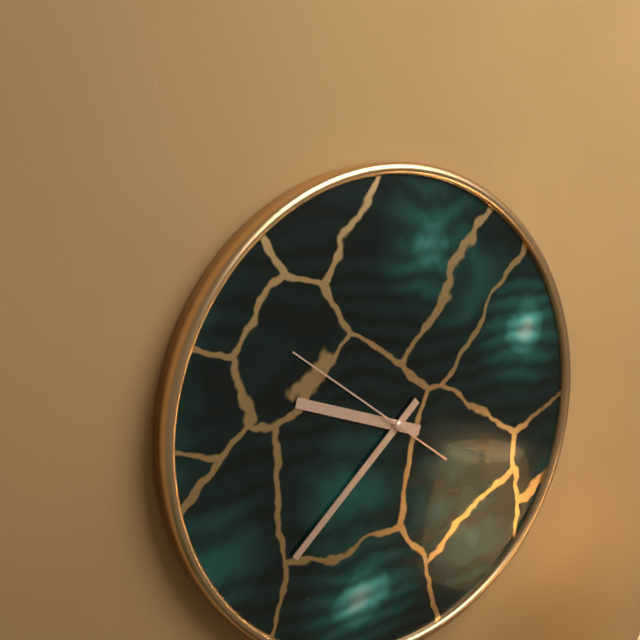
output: 9.38.51
